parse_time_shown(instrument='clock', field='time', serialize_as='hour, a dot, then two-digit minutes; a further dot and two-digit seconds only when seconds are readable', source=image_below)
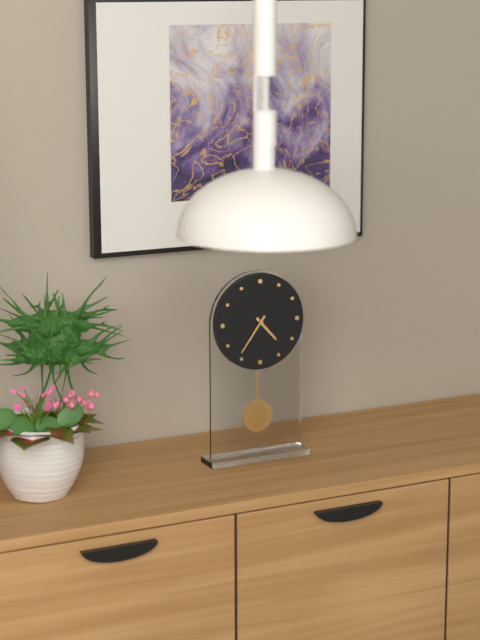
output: 4.36
